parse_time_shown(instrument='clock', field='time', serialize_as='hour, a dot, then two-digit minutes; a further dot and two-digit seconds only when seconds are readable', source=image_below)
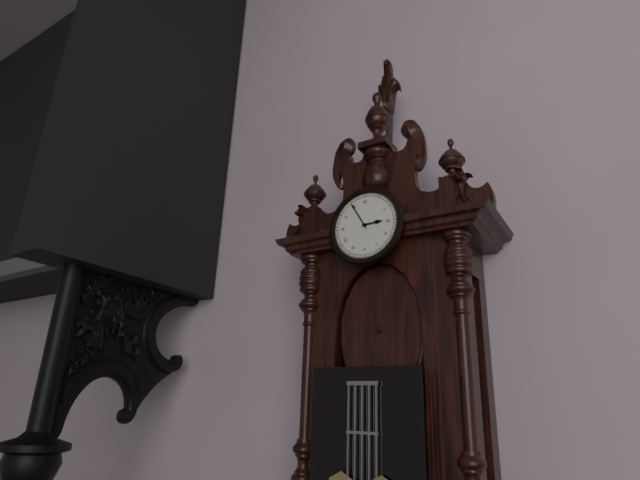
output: 2.55
